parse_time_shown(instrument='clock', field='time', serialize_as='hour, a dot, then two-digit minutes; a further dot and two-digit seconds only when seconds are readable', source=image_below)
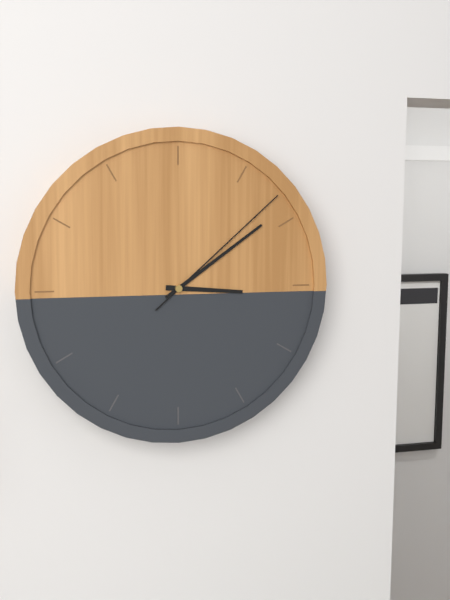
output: 3.09.08
